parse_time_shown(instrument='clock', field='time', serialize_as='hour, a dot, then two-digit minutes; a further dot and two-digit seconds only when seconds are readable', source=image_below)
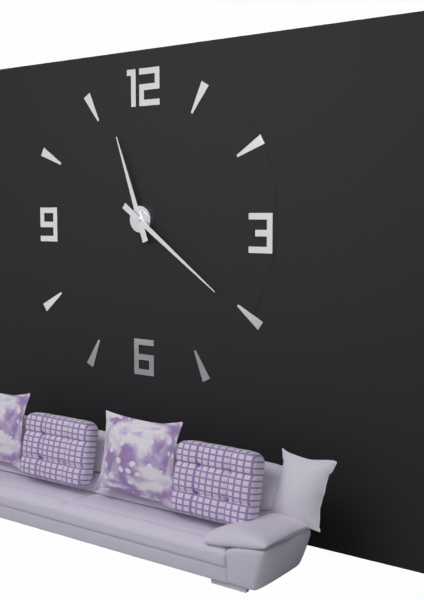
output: 11.21
